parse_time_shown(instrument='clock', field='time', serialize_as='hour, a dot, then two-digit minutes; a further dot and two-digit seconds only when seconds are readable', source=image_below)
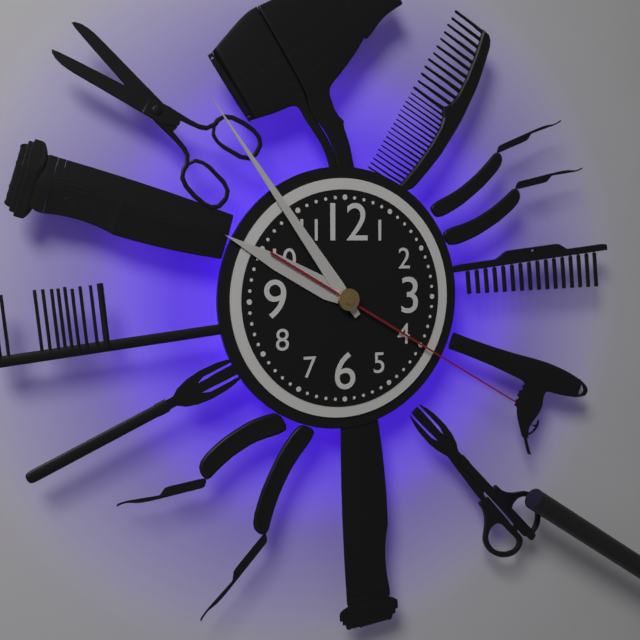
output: 9.54.20
